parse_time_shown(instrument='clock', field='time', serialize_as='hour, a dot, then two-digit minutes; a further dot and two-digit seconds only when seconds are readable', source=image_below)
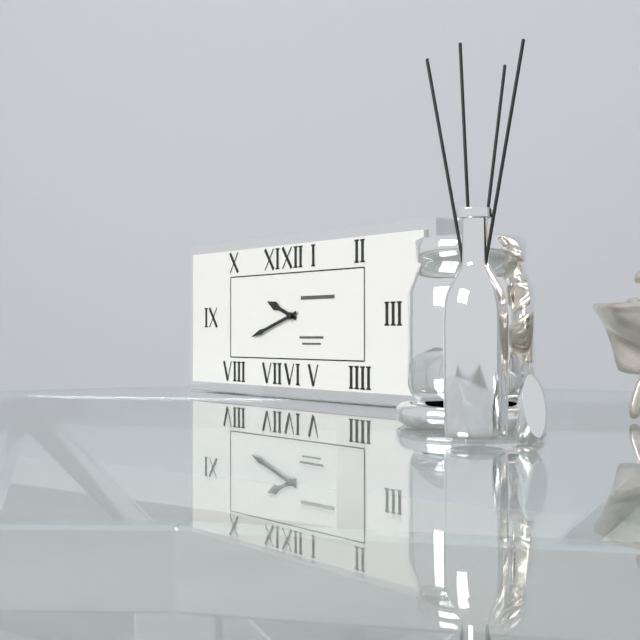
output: 9.42
